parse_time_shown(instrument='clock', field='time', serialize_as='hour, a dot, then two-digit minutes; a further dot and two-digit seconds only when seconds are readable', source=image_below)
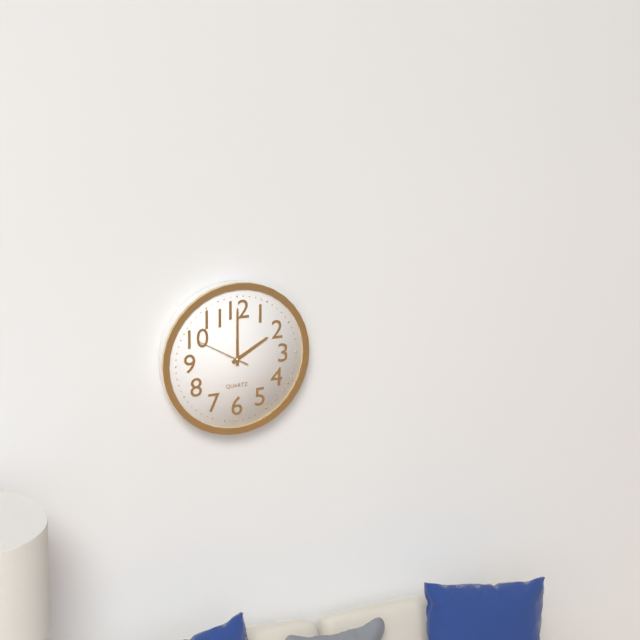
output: 2.00.50
